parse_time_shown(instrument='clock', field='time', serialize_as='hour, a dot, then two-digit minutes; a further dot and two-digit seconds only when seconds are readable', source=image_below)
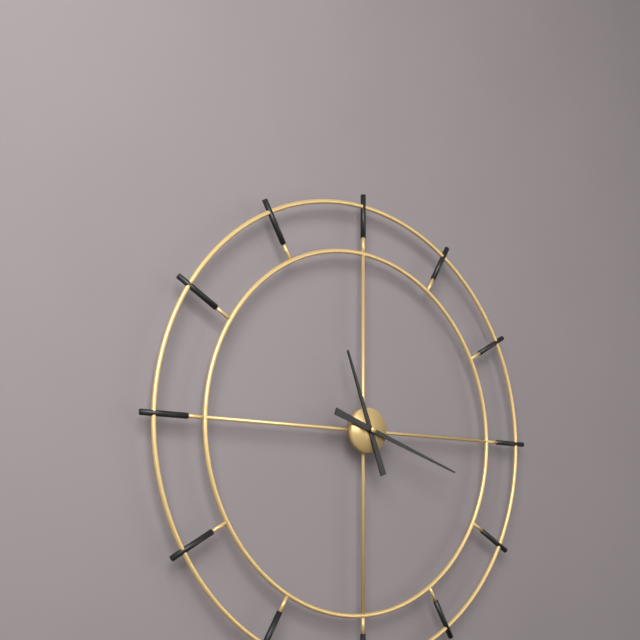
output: 11.18
